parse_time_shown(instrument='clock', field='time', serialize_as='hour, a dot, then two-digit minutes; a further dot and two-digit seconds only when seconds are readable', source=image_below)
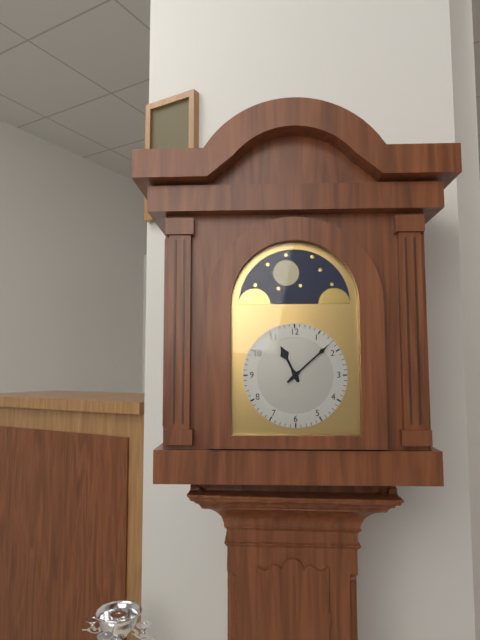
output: 11.08
